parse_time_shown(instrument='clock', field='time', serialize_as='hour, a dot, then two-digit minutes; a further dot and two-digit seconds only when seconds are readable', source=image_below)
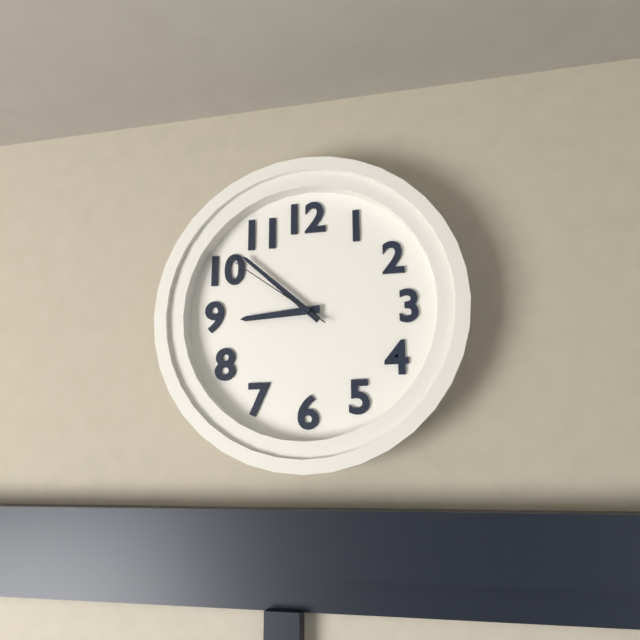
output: 8.52.51
